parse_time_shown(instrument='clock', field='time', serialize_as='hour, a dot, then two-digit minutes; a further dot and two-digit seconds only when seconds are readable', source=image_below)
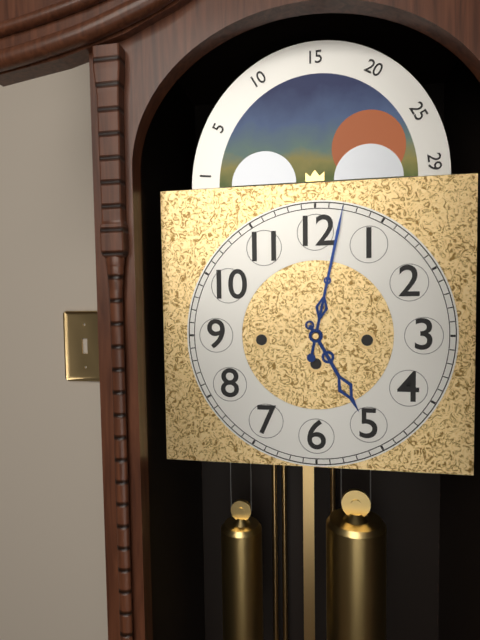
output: 5.02
